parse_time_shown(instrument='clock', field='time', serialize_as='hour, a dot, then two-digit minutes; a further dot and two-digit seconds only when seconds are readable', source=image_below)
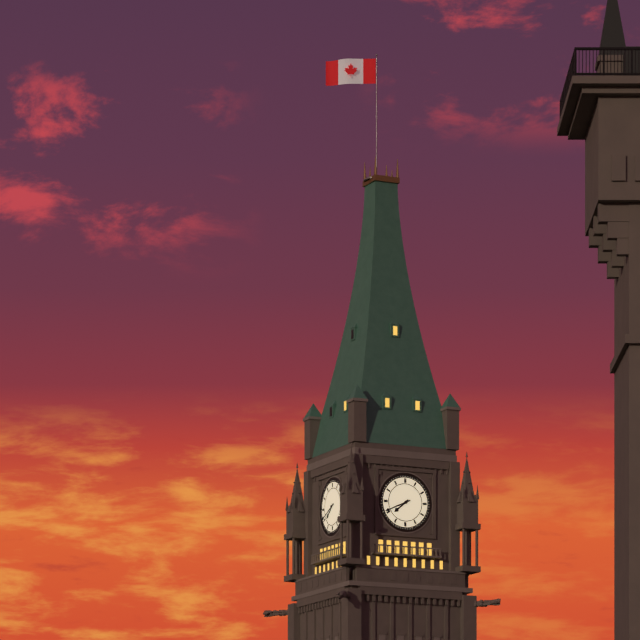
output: 7.41
